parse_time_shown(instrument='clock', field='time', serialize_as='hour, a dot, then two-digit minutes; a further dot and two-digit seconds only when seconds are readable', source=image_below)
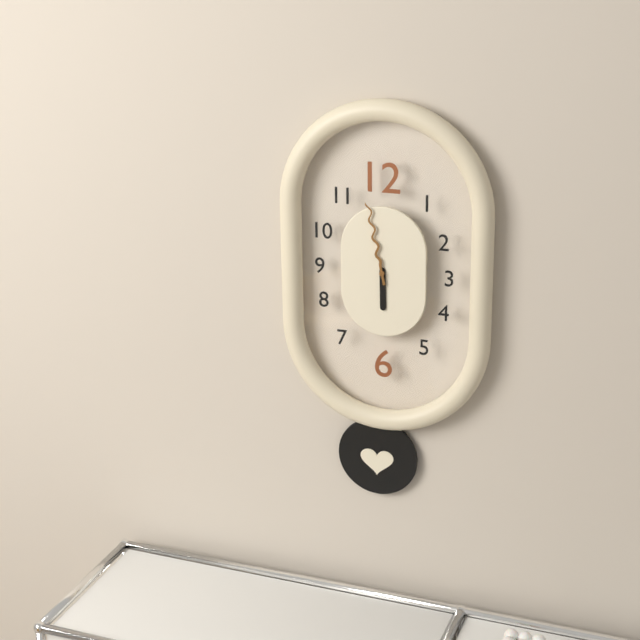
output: 5.58
